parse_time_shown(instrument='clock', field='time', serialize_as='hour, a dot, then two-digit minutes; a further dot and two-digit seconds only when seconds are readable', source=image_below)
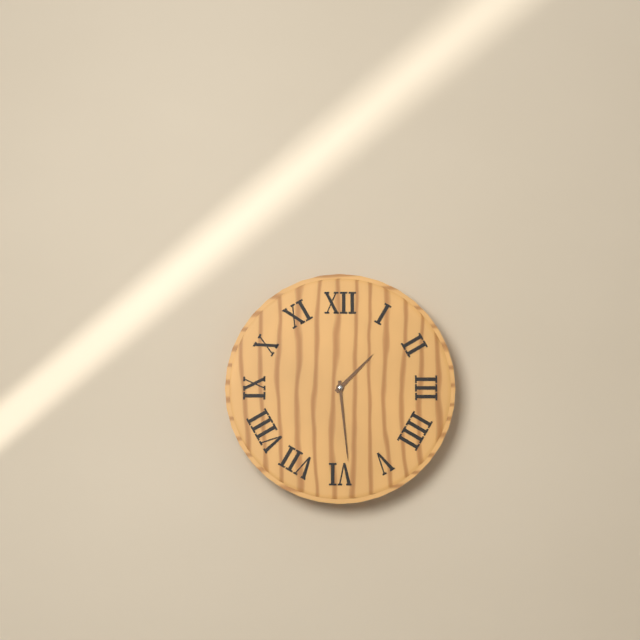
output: 1.29
